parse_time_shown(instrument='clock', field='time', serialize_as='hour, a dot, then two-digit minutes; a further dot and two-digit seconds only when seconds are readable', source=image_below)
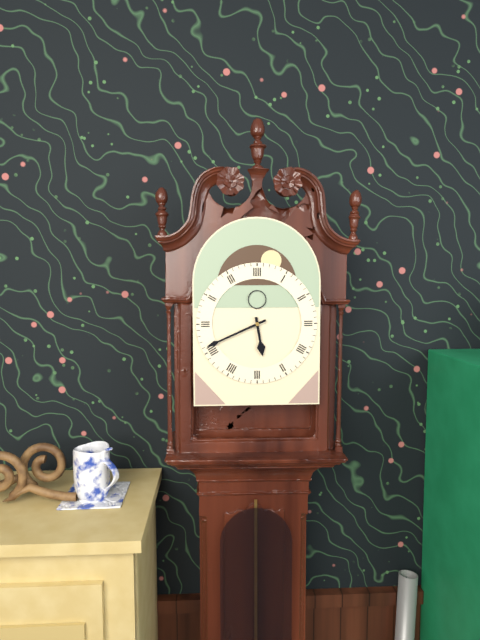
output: 5.41
